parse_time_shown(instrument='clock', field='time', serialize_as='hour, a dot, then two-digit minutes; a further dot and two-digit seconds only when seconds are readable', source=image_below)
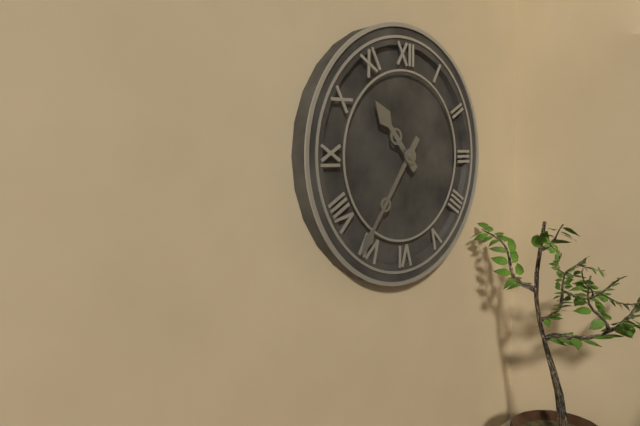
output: 10.36
